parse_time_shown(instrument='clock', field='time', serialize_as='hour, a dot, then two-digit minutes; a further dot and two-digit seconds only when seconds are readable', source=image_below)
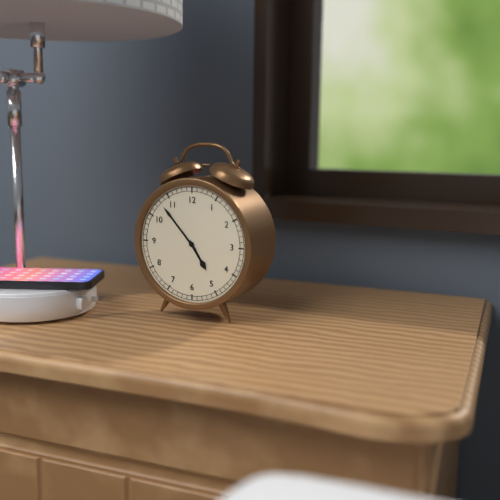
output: 4.53
